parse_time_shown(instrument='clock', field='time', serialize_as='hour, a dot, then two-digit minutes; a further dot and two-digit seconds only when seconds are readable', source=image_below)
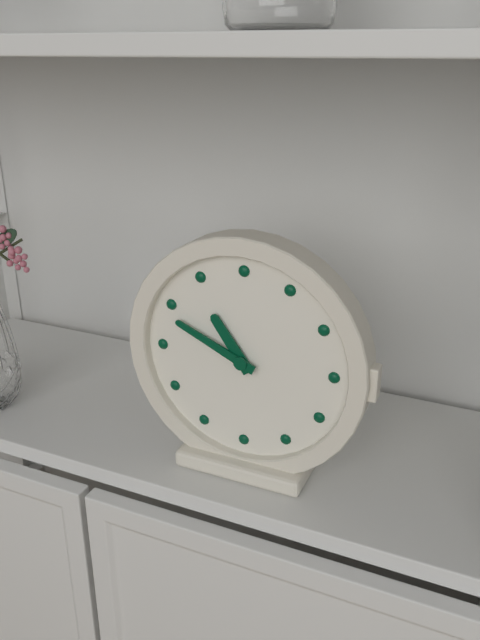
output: 10.49
